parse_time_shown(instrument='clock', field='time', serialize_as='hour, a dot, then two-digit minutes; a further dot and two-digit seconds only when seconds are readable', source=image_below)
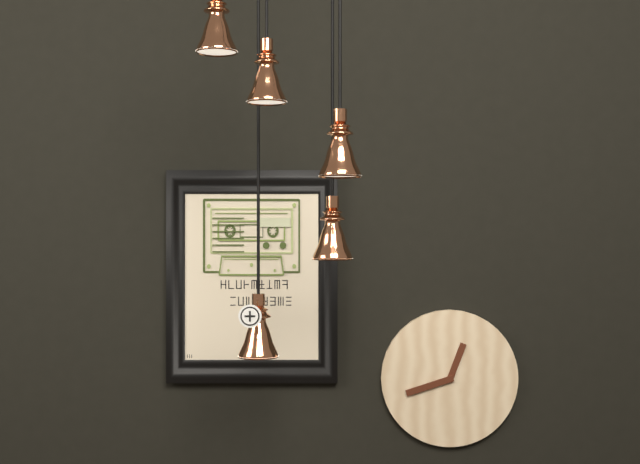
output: 12.42
